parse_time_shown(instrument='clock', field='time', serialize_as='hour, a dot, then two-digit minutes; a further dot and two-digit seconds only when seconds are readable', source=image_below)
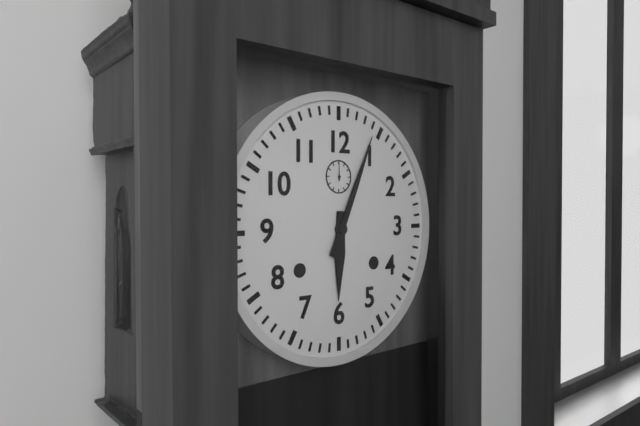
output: 6.04
